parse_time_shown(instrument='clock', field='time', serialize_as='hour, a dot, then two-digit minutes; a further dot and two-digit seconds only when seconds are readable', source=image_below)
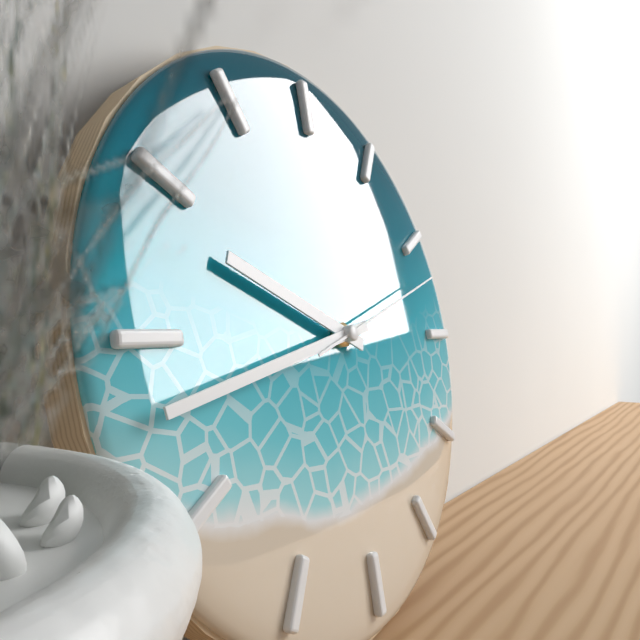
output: 9.43.12
